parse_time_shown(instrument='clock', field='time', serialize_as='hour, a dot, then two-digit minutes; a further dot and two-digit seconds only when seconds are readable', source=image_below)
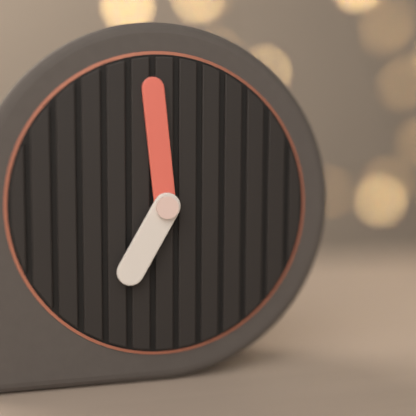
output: 6.59
